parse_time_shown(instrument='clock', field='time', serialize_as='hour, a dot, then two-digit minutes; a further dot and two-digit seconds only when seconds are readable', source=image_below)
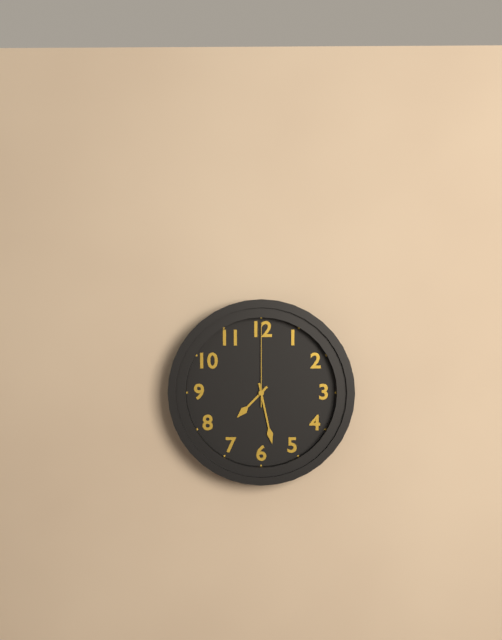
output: 7.28.00
